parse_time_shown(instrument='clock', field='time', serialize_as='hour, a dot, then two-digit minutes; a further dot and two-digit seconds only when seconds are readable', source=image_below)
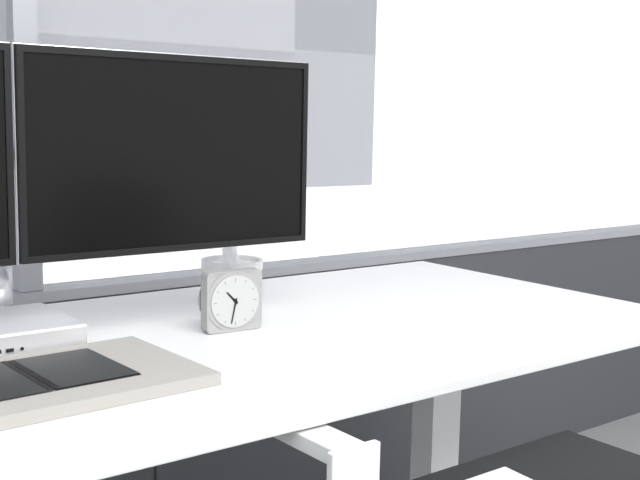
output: 10.32
